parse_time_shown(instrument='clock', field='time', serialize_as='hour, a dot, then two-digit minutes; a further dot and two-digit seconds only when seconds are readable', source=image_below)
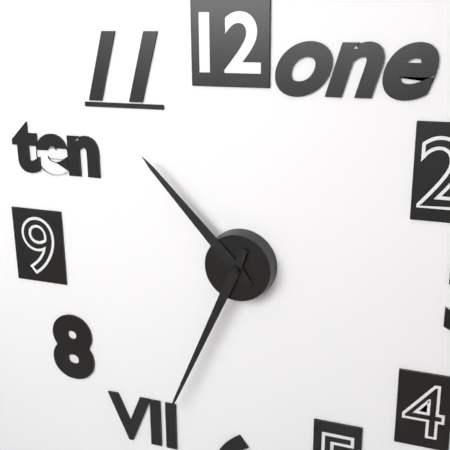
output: 10.34
